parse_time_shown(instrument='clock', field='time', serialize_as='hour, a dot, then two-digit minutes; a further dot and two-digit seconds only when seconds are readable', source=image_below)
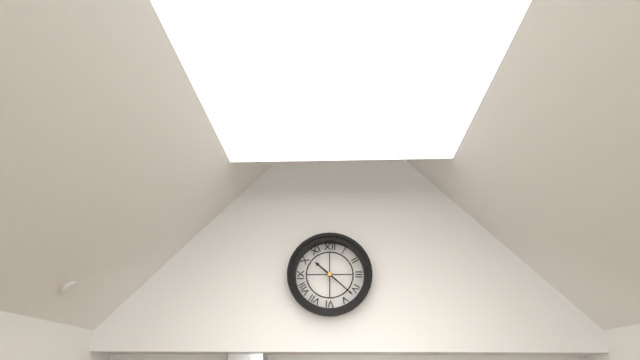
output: 10.22
